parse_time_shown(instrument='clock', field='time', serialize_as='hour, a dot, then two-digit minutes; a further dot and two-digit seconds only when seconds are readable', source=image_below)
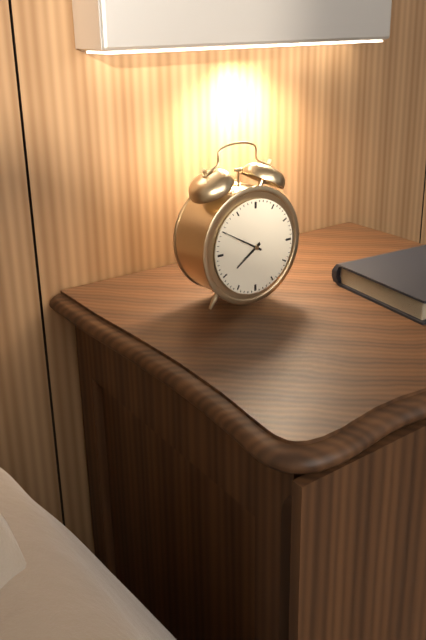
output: 7.50
